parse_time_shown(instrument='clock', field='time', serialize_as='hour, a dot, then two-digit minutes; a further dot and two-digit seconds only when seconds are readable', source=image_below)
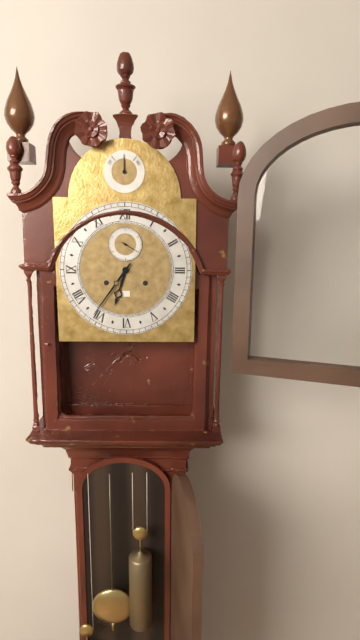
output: 6.36
